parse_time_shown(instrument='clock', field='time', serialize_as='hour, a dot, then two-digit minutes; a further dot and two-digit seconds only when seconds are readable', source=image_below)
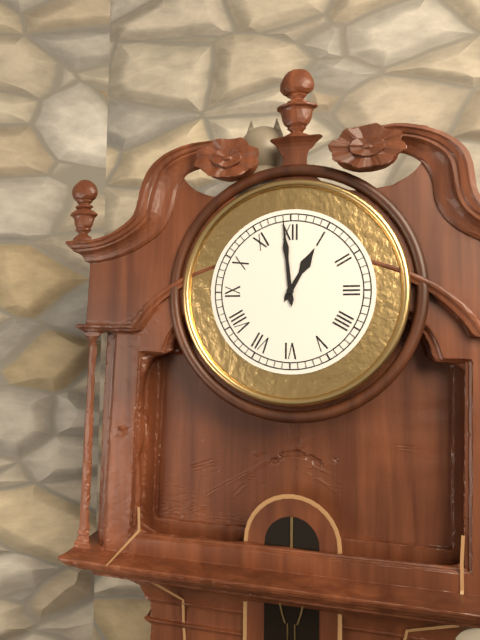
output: 12.59
